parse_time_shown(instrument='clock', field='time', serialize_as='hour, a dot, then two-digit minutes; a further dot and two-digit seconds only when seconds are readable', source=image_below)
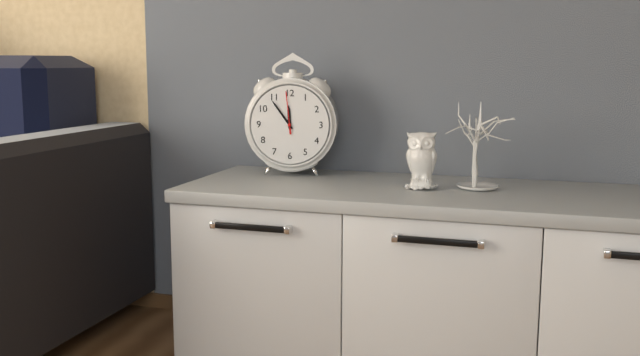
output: 11.54
